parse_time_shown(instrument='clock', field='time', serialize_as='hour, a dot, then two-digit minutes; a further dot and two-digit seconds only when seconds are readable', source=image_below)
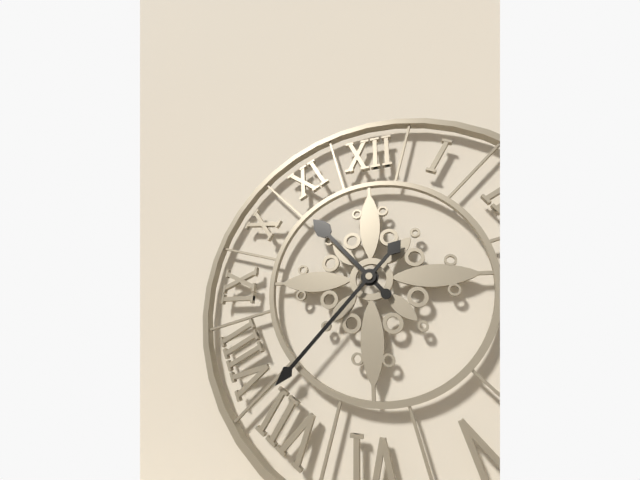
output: 10.37
